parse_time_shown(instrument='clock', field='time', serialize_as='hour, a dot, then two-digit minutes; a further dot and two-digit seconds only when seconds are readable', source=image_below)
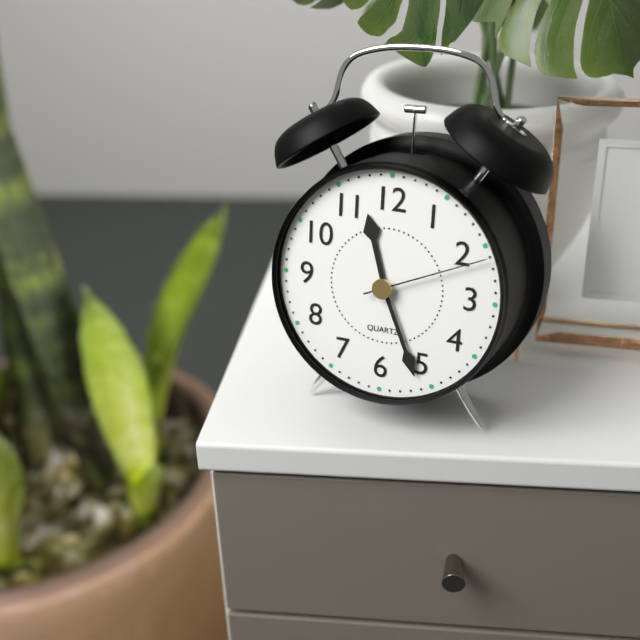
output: 11.26.11
